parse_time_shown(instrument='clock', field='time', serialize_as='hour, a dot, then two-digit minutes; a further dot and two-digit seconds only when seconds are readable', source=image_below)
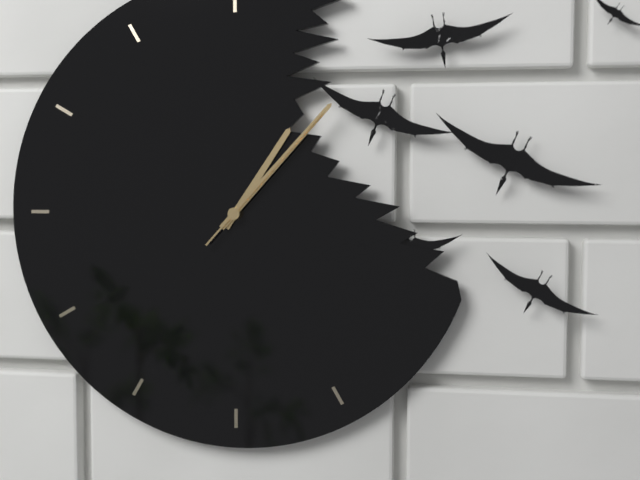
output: 1.07.07
